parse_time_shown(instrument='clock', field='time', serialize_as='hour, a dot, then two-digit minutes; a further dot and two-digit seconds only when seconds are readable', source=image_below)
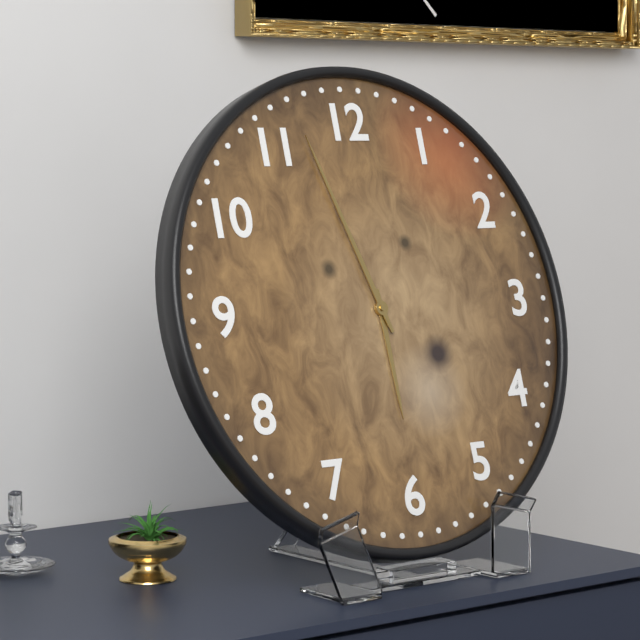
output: 5.57
